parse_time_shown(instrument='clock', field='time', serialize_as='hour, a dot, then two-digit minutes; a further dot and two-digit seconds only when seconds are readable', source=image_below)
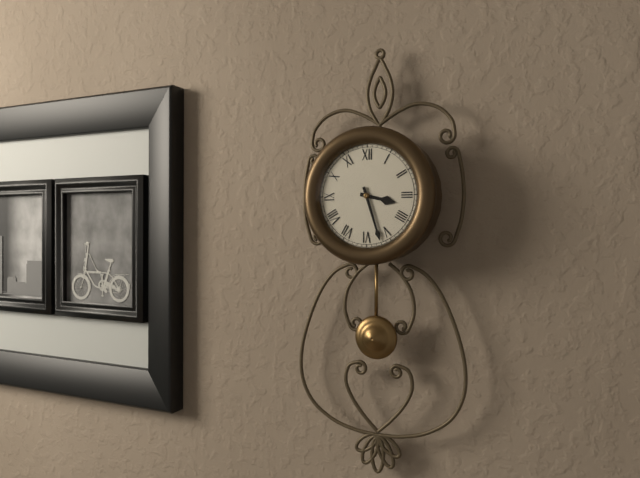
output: 3.27
